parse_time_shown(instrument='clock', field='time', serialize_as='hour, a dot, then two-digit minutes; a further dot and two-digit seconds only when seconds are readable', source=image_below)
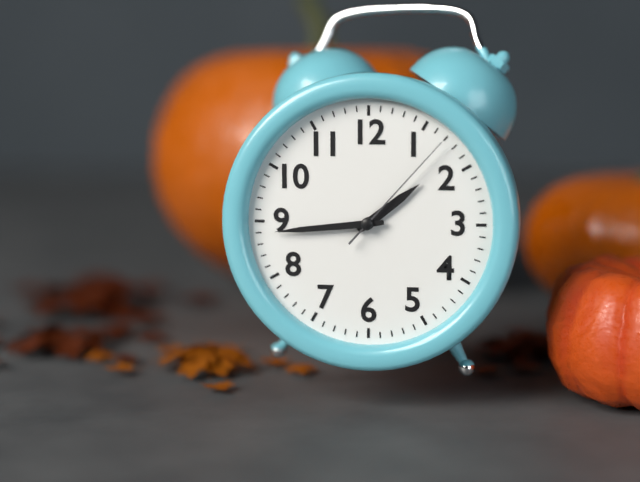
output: 1.44.07
